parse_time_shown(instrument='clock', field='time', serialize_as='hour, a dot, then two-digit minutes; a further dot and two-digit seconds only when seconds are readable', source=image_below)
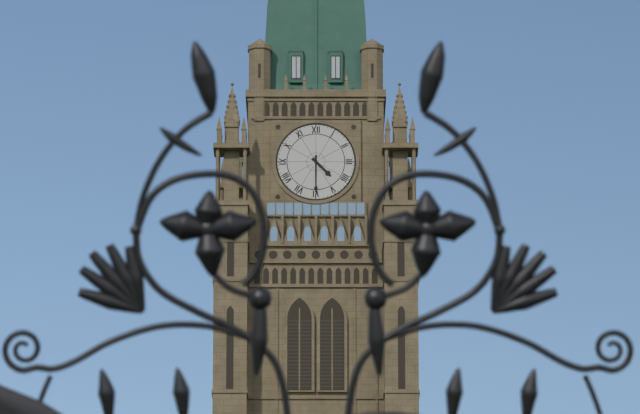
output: 4.30
